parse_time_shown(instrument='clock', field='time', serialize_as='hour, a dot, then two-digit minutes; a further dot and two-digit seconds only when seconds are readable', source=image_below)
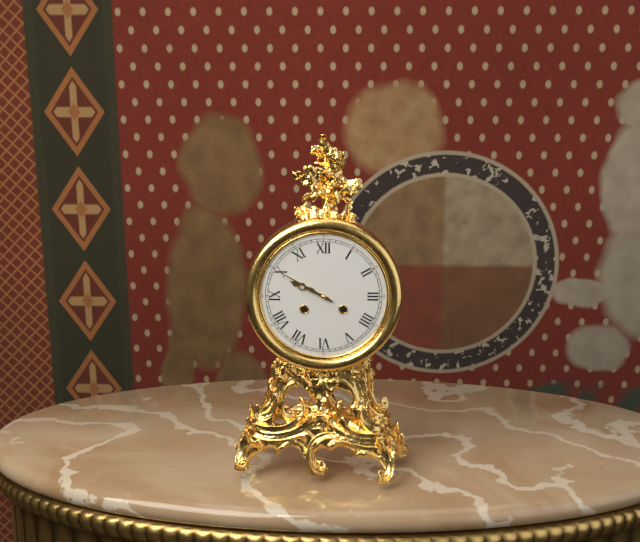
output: 9.50
